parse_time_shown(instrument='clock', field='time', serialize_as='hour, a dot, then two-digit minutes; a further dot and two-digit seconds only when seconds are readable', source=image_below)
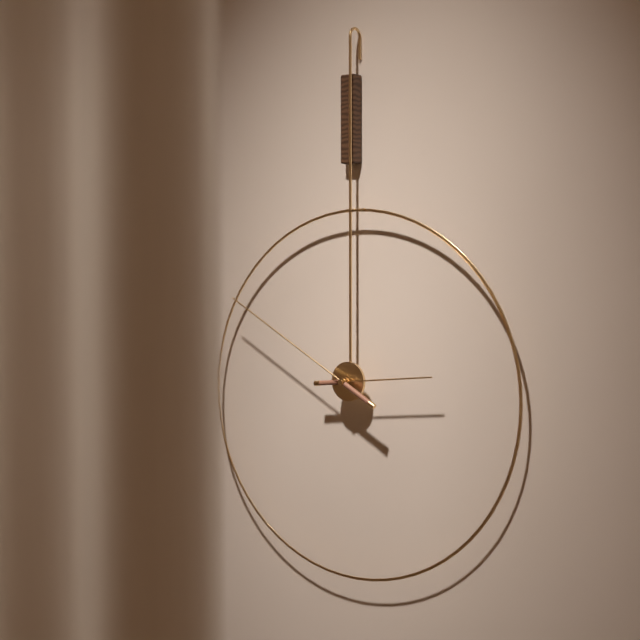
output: 2.50
